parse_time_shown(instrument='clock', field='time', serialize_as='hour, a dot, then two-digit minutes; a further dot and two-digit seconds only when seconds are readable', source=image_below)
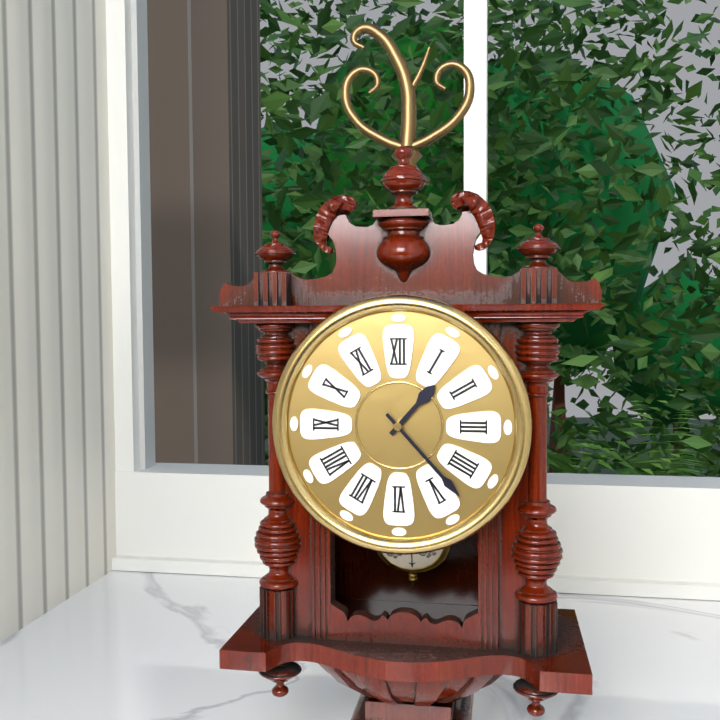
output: 1.23
